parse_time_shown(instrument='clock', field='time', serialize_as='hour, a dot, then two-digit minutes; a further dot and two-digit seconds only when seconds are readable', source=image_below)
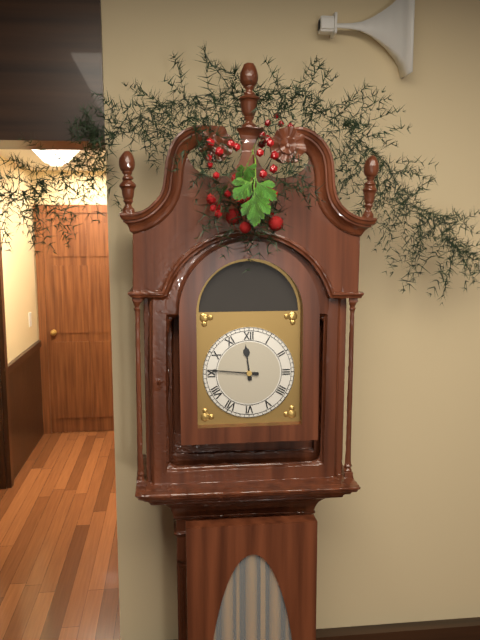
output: 11.46
